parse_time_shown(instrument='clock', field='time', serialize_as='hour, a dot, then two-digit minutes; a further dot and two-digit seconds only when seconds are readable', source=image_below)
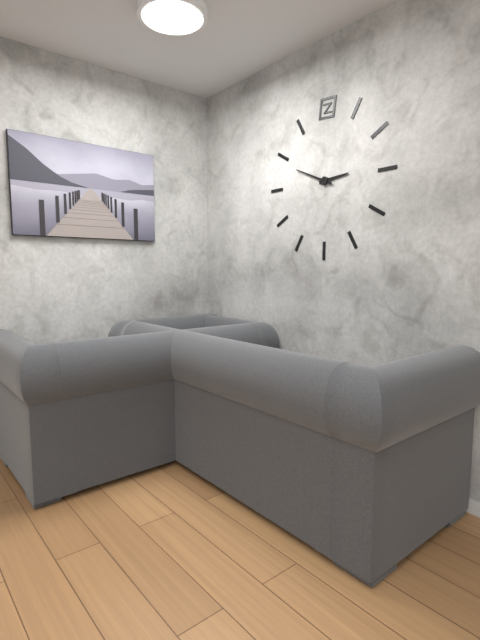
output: 2.49
